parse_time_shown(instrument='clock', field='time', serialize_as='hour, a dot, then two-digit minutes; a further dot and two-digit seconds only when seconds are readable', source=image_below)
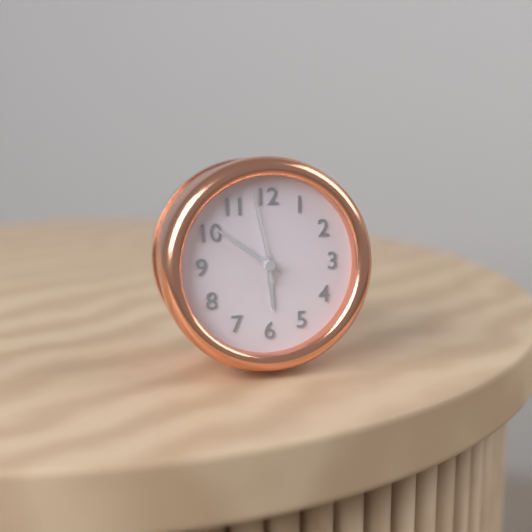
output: 5.51.58
